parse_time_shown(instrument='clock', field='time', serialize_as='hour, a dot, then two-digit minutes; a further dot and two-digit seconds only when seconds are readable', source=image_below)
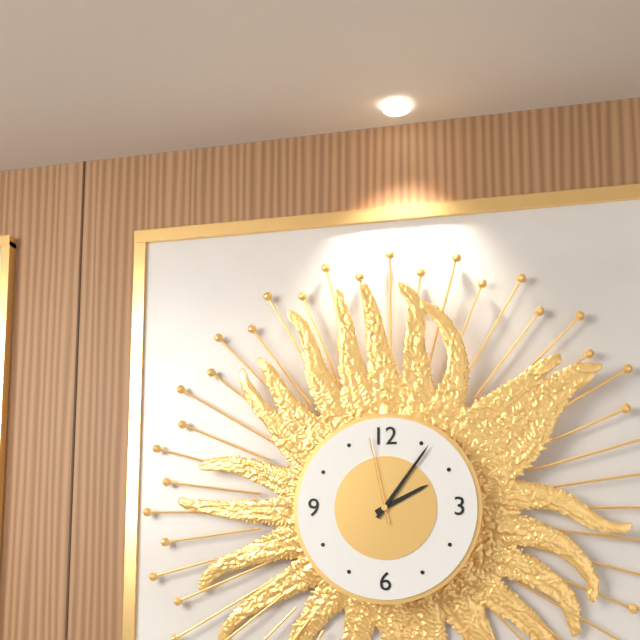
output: 2.06.58
